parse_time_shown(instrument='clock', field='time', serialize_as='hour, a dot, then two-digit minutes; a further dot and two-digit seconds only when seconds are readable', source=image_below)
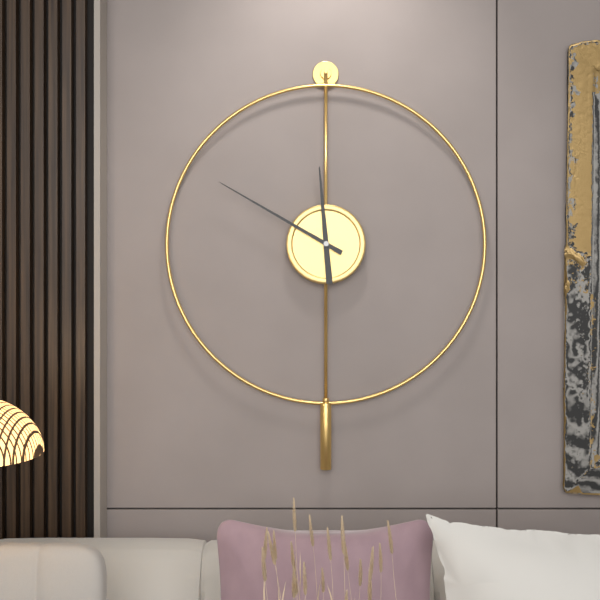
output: 11.50
